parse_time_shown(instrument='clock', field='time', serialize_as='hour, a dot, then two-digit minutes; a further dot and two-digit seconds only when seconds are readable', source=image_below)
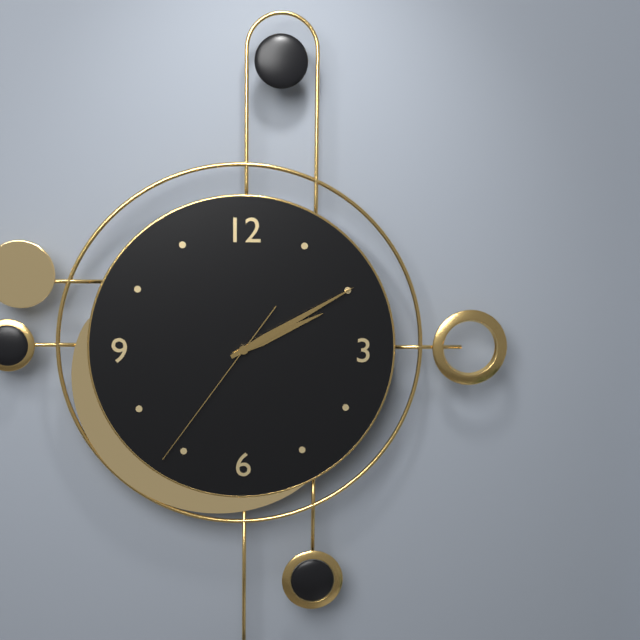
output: 2.10.36
